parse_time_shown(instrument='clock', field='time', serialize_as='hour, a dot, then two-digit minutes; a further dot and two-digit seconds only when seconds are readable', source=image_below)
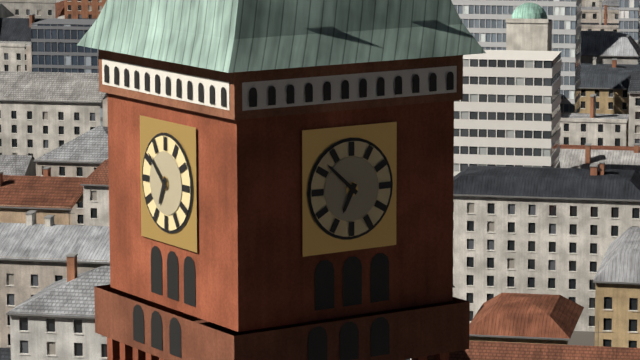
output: 6.52
